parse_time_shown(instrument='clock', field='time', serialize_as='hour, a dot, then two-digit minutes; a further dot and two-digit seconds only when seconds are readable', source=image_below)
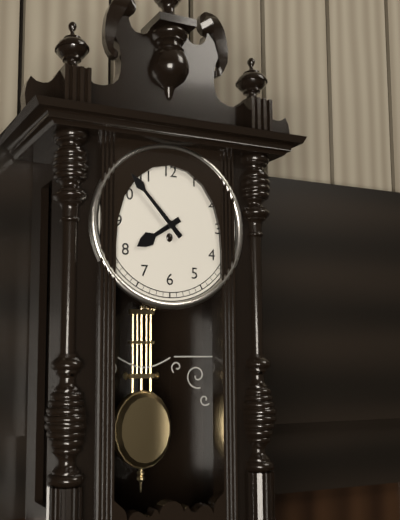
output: 7.53
